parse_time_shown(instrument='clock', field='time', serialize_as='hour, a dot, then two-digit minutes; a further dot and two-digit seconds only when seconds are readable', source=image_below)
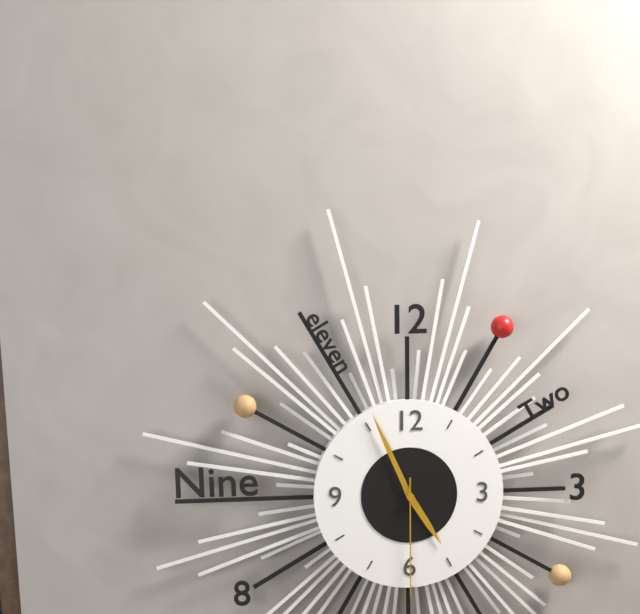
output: 4.56.30
